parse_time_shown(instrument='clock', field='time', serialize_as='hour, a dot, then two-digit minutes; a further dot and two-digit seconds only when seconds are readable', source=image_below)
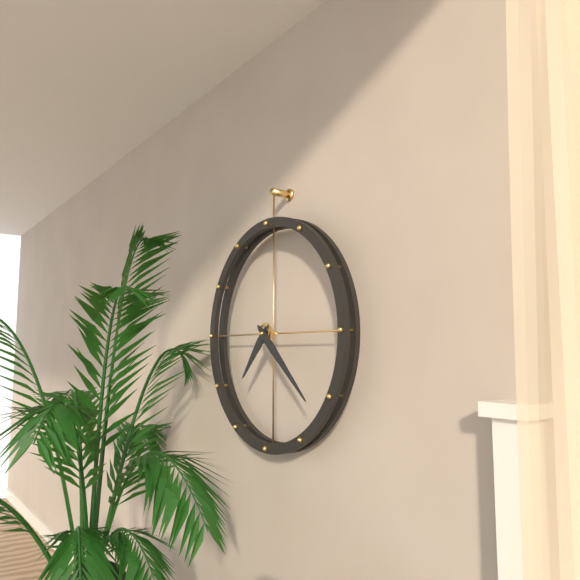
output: 7.22
